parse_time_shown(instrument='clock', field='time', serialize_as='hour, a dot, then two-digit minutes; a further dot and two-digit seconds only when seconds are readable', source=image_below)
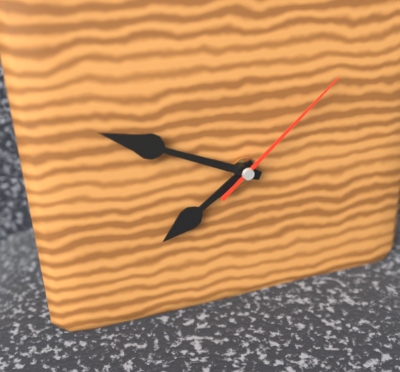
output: 7.49.08
